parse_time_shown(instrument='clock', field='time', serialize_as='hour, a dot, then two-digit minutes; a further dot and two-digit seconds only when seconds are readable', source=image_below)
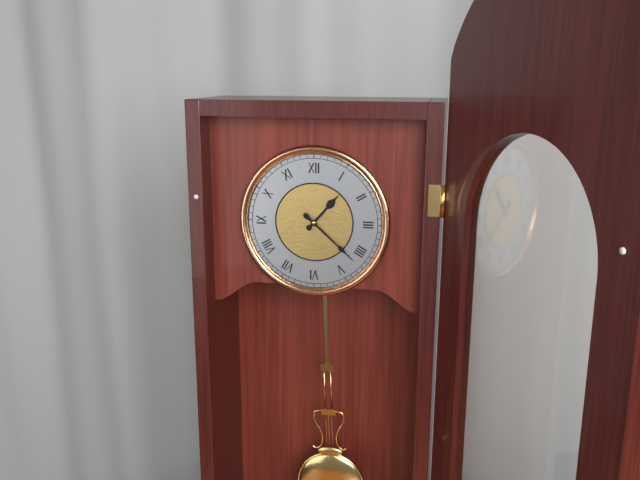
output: 1.22
